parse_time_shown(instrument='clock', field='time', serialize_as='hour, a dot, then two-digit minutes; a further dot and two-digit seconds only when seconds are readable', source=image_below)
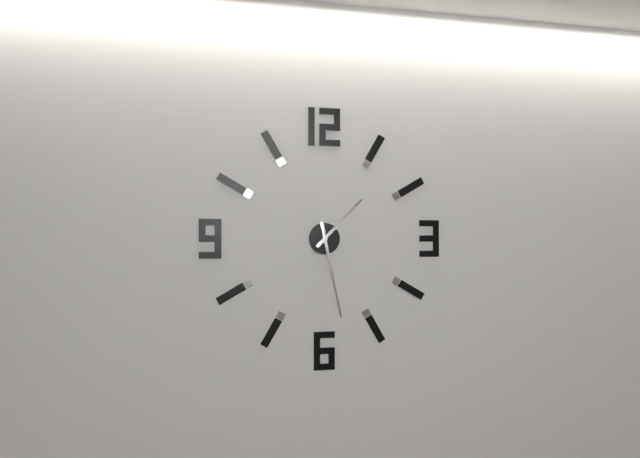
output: 1.28
